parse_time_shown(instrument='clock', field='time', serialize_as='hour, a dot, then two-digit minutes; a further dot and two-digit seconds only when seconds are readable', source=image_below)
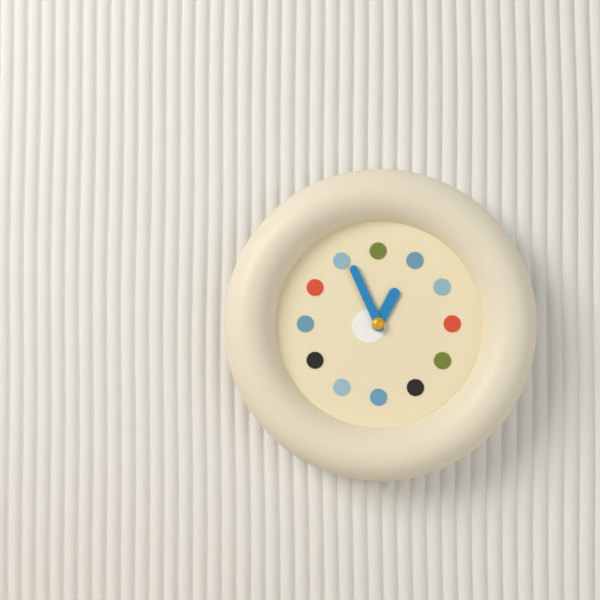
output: 12.56
